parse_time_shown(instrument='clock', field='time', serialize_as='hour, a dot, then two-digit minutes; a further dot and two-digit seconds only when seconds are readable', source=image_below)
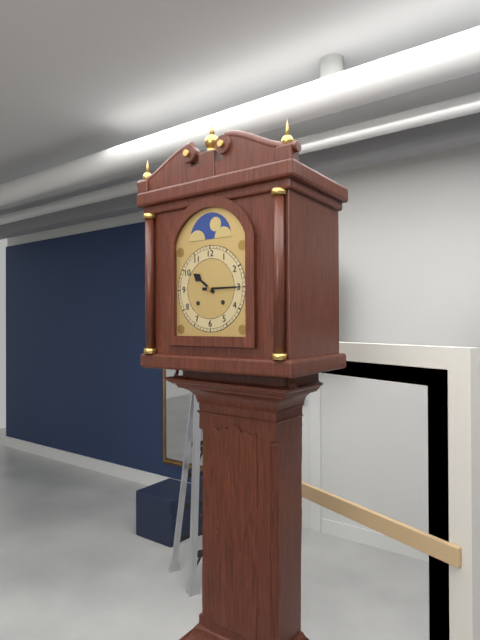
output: 10.15
